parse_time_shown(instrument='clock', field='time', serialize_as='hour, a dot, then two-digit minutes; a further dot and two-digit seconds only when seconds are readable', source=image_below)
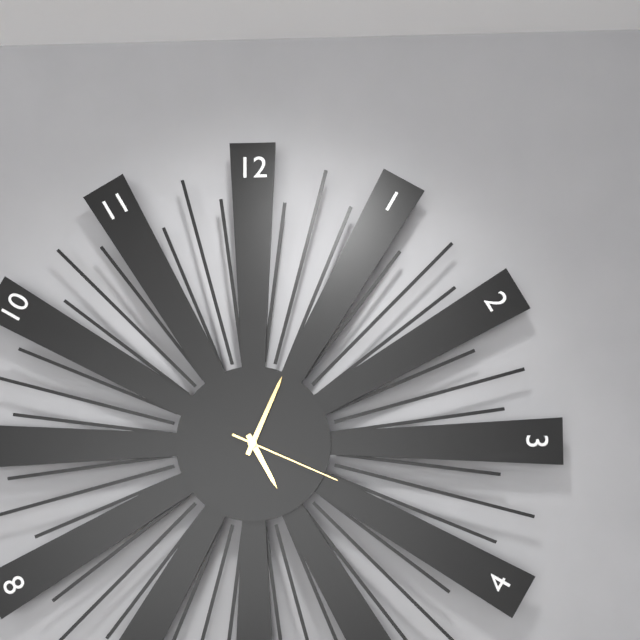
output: 5.04.19
